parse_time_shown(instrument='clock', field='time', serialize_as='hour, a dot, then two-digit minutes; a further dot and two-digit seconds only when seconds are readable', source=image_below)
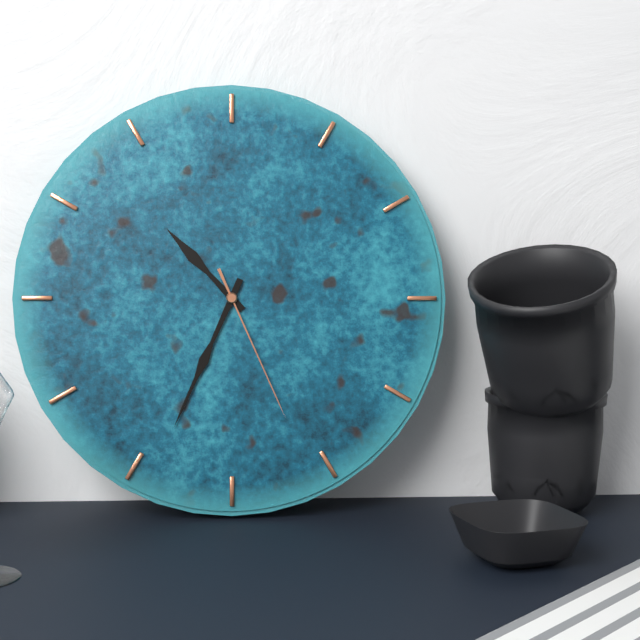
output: 10.34.26
